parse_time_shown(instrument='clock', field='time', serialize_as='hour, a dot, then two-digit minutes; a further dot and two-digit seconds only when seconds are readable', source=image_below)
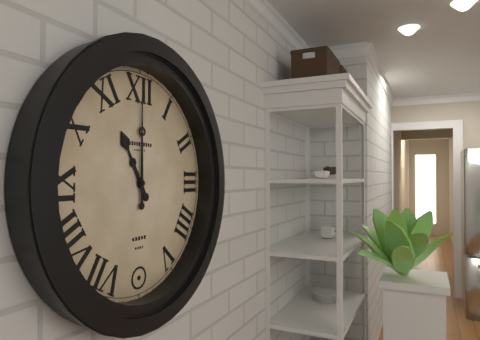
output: 11.00
